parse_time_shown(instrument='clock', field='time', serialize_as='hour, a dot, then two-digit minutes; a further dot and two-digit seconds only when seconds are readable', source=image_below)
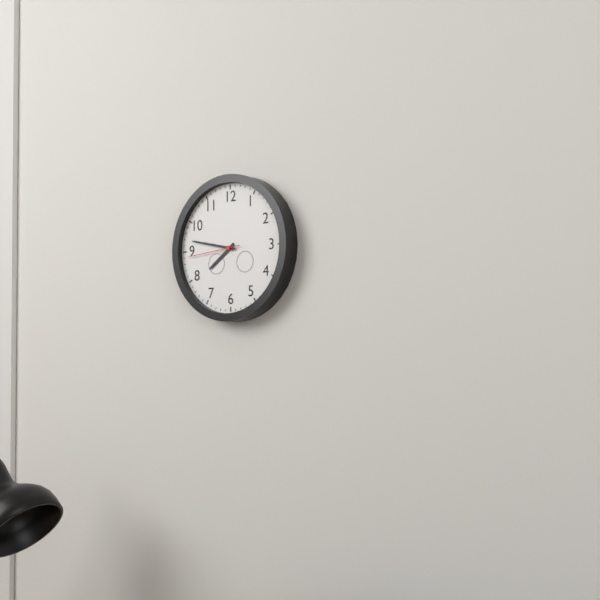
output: 7.47.44
